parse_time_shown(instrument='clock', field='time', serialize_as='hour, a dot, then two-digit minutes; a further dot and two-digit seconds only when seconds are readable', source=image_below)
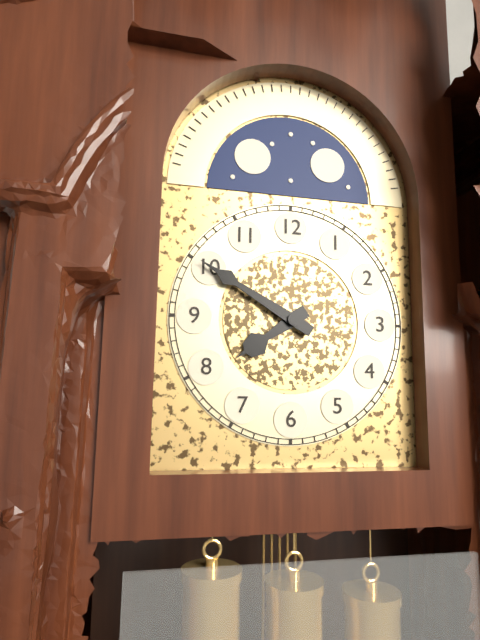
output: 7.50
